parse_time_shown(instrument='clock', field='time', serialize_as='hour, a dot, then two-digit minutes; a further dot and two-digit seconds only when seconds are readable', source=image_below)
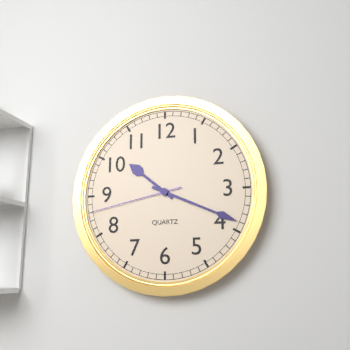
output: 10.19.43
